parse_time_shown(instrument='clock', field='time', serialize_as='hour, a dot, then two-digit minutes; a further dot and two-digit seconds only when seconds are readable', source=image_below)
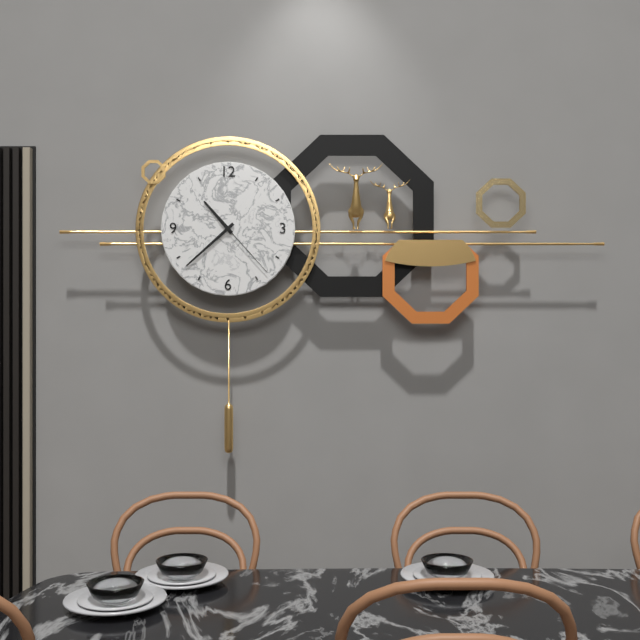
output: 10.38.23
